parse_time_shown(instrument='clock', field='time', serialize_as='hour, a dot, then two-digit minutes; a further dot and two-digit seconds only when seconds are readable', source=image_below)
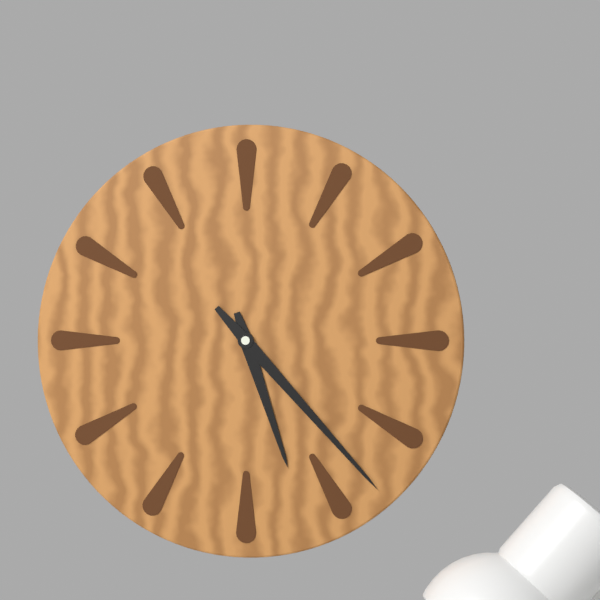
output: 5.23
